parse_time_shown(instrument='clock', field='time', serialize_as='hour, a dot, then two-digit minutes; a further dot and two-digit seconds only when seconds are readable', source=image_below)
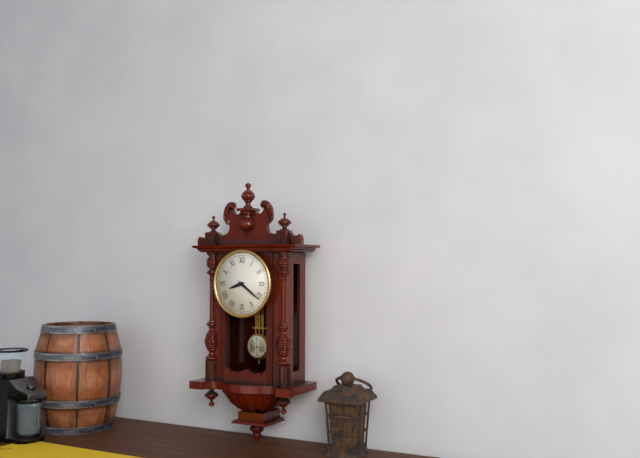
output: 8.21
